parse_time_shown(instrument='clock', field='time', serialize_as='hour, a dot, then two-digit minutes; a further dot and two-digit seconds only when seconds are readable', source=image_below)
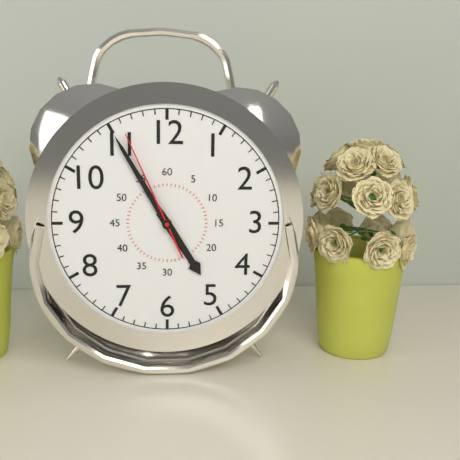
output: 4.55.56
